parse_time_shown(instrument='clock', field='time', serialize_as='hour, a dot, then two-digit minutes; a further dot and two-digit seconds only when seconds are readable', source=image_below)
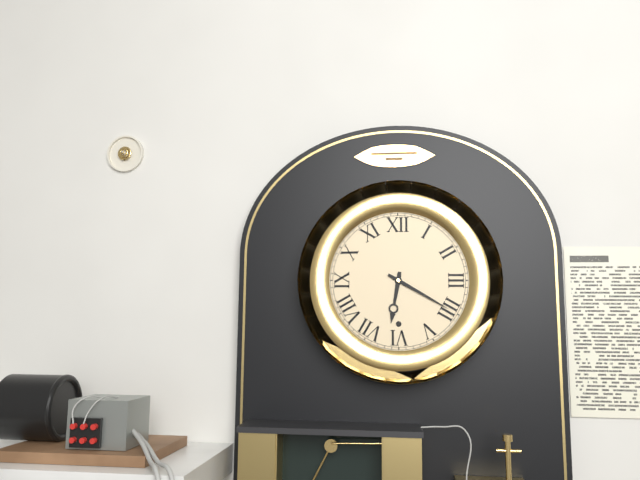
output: 6.20
